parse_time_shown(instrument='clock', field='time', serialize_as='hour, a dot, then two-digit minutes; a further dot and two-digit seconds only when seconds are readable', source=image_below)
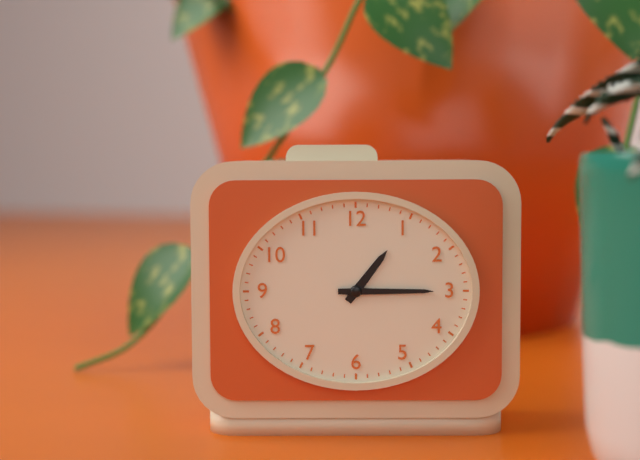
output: 1.15
